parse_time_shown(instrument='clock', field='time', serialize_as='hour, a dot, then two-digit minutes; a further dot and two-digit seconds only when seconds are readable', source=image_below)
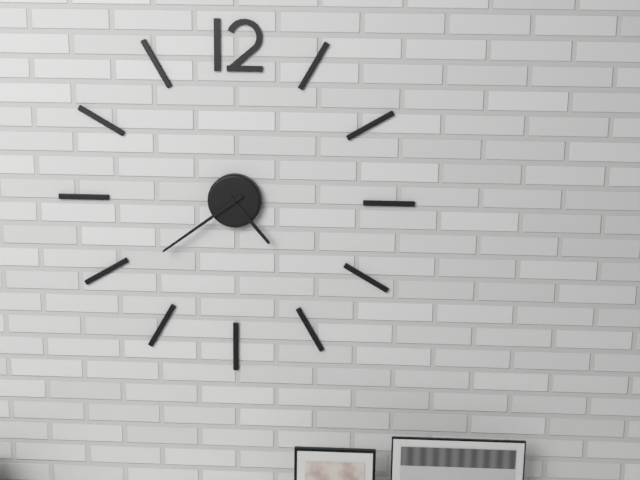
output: 4.39
